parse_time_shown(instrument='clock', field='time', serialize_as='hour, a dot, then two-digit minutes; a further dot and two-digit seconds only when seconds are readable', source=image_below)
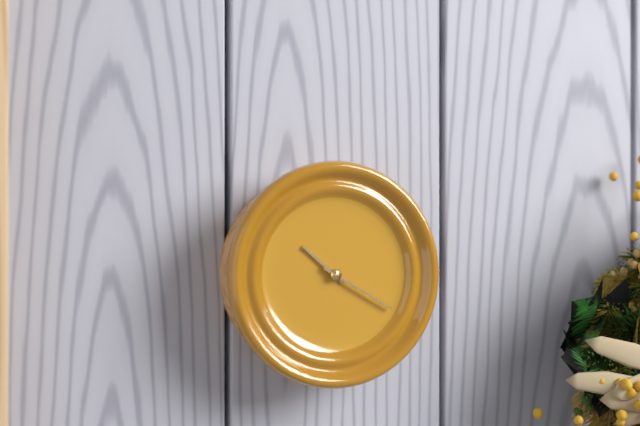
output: 10.20
